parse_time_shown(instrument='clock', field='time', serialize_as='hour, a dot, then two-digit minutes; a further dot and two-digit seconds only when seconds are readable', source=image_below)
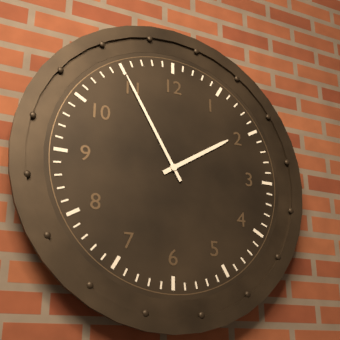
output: 1.55
